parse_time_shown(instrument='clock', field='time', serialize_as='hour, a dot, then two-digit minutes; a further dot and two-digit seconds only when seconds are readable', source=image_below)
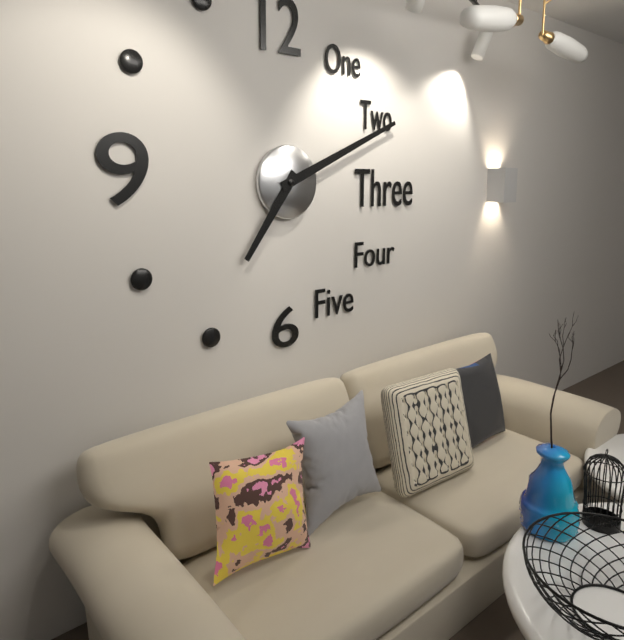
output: 7.11
